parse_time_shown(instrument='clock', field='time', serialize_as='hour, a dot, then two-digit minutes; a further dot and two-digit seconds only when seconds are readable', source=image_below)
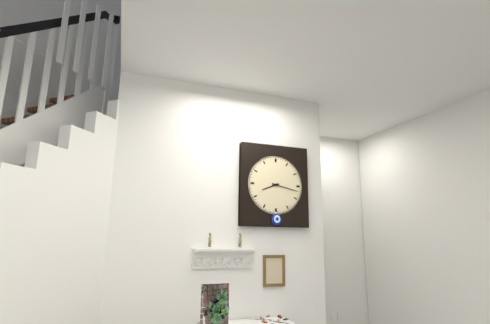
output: 8.17
